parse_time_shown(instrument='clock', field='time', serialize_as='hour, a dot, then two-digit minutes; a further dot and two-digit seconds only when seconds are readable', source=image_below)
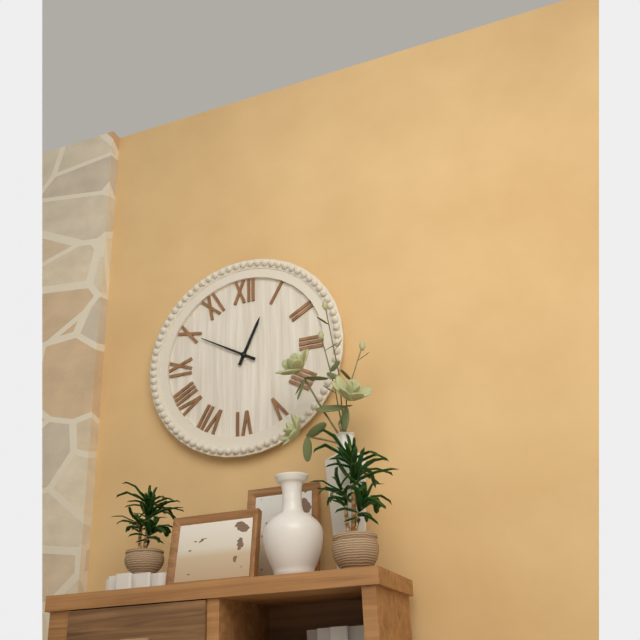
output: 12.50
